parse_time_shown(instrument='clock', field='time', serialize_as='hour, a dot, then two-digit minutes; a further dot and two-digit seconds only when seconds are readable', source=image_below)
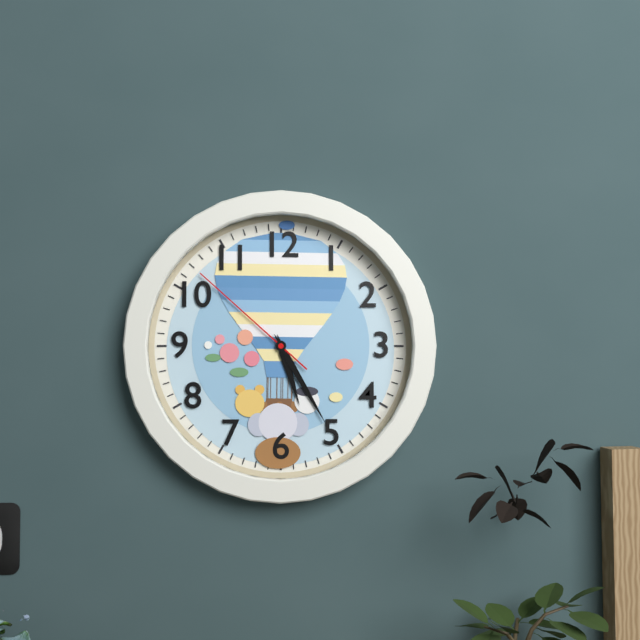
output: 5.25.52
